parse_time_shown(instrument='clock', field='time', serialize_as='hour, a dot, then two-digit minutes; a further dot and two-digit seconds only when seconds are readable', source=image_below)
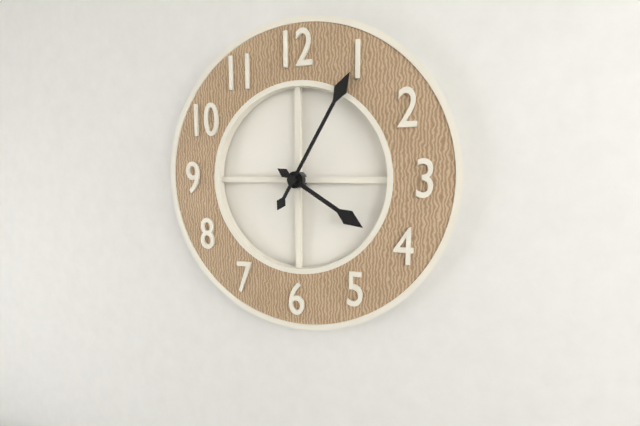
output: 4.05
